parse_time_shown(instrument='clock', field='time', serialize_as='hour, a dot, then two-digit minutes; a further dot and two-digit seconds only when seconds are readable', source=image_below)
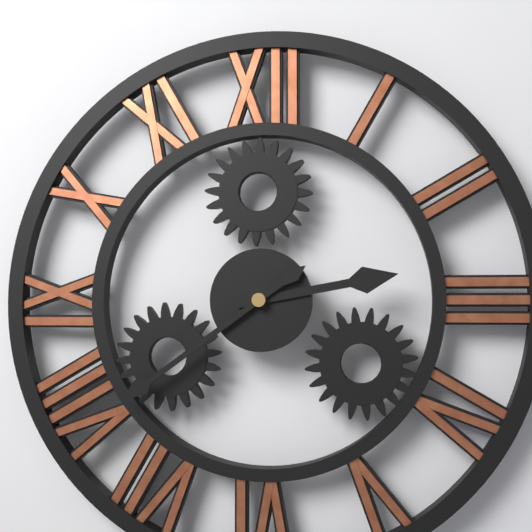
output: 2.39
